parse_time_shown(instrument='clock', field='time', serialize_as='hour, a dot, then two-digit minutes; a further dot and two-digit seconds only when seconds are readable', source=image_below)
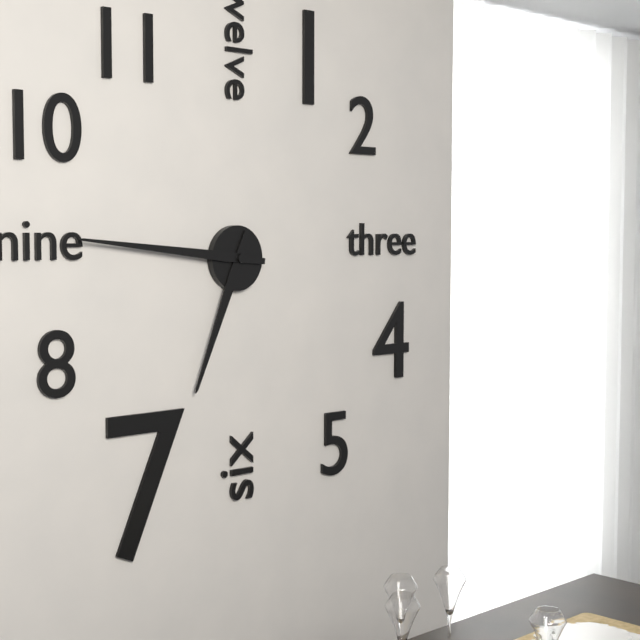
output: 6.46
